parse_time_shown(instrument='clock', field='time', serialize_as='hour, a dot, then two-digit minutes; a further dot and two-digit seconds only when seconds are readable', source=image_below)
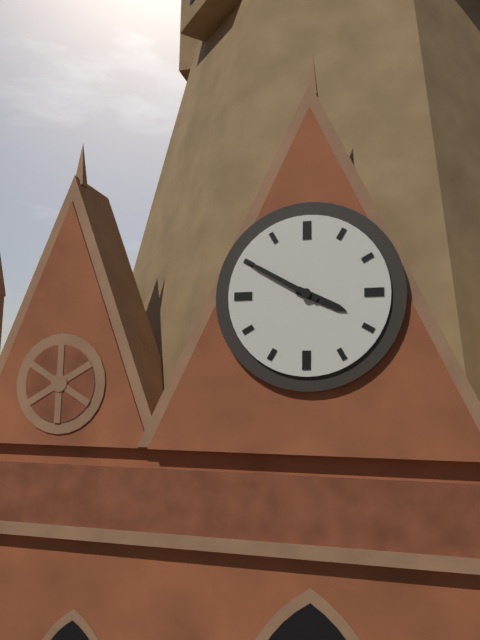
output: 3.50
